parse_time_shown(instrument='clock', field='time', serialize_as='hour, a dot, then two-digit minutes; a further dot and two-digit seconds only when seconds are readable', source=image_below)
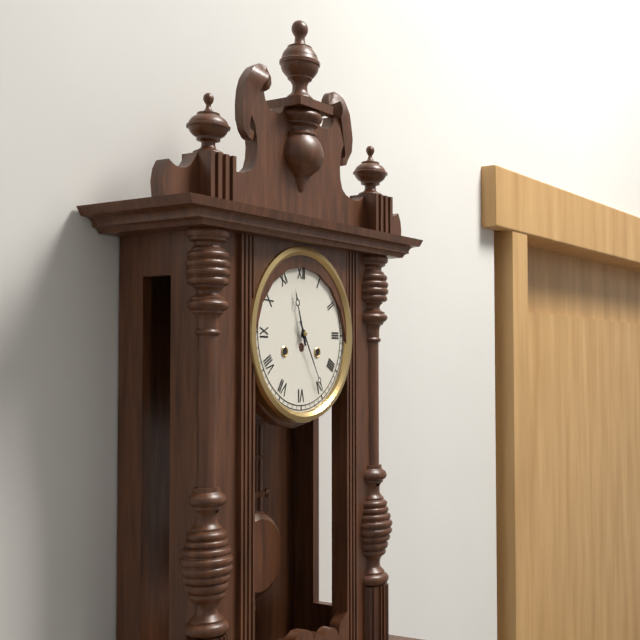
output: 11.25
